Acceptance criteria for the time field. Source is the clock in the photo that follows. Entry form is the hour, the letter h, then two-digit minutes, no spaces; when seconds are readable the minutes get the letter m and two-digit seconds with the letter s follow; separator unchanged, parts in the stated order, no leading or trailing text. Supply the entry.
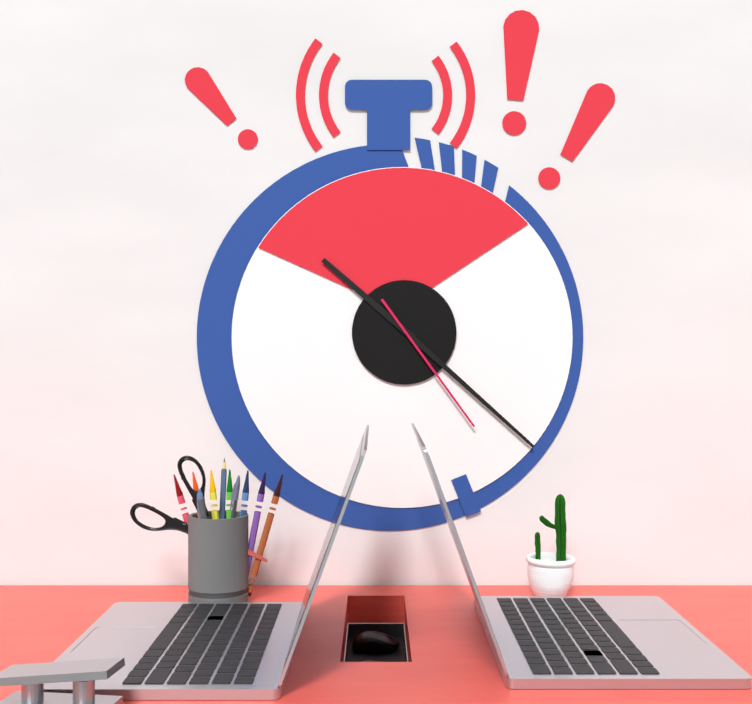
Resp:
10h22m24s
